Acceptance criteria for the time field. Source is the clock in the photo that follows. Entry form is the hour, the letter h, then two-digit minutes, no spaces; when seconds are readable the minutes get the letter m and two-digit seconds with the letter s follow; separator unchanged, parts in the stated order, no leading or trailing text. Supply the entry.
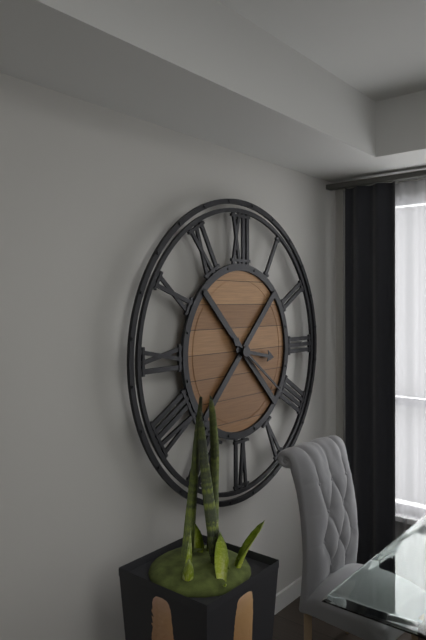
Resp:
3h21
